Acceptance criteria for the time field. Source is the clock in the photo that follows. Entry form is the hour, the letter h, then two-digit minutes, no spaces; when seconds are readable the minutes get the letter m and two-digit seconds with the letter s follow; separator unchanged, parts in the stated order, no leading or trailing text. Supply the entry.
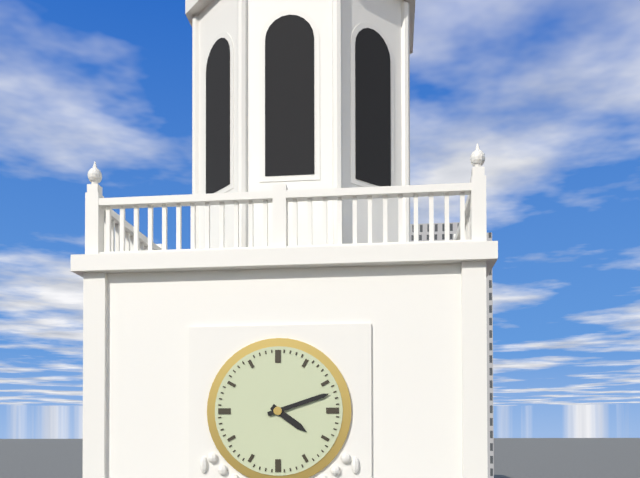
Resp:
4h12
